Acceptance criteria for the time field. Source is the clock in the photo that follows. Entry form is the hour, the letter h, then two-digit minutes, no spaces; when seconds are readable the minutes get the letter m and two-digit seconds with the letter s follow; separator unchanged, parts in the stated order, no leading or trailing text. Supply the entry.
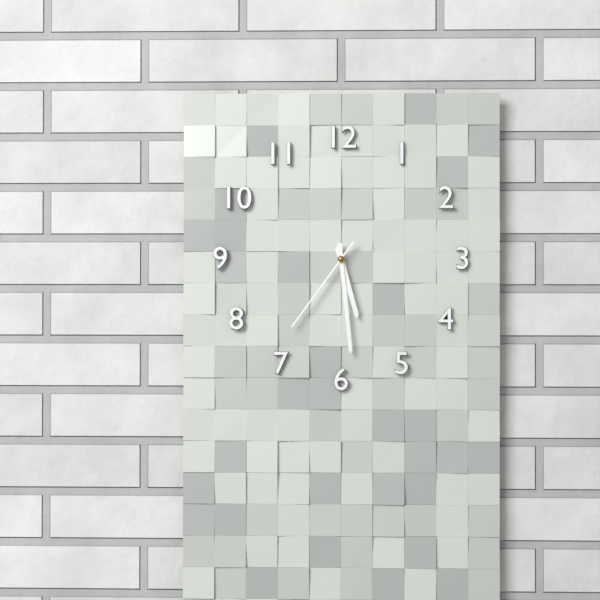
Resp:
5h29m36s
